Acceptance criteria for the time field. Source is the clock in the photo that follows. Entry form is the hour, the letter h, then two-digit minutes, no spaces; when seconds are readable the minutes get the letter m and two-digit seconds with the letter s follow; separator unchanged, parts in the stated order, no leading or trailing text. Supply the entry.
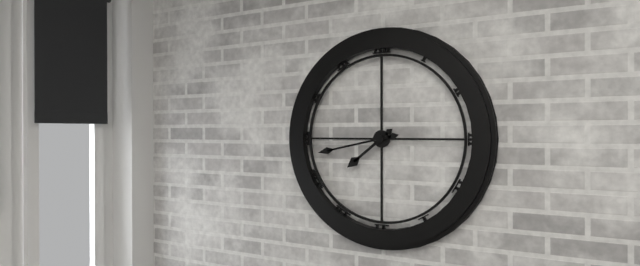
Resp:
7h43
